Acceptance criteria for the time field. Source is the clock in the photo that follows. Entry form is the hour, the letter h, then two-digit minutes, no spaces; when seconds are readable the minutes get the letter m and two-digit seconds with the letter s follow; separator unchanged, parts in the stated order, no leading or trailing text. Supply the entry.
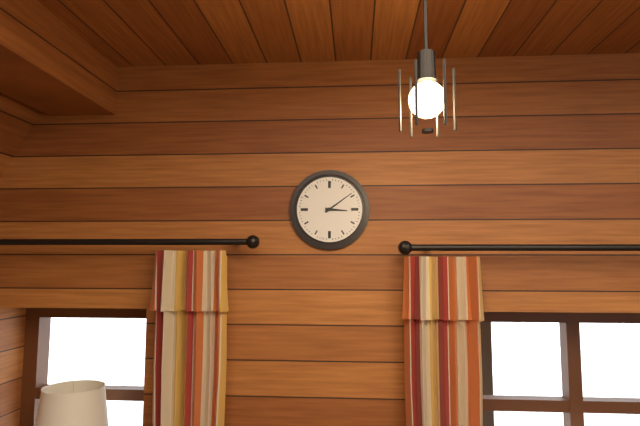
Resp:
3h09
